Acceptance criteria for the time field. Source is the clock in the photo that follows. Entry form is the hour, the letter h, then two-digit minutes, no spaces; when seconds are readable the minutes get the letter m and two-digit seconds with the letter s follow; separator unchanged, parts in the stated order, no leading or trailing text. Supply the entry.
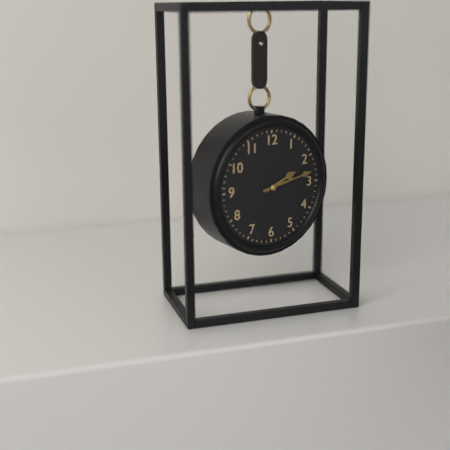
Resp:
2h13
